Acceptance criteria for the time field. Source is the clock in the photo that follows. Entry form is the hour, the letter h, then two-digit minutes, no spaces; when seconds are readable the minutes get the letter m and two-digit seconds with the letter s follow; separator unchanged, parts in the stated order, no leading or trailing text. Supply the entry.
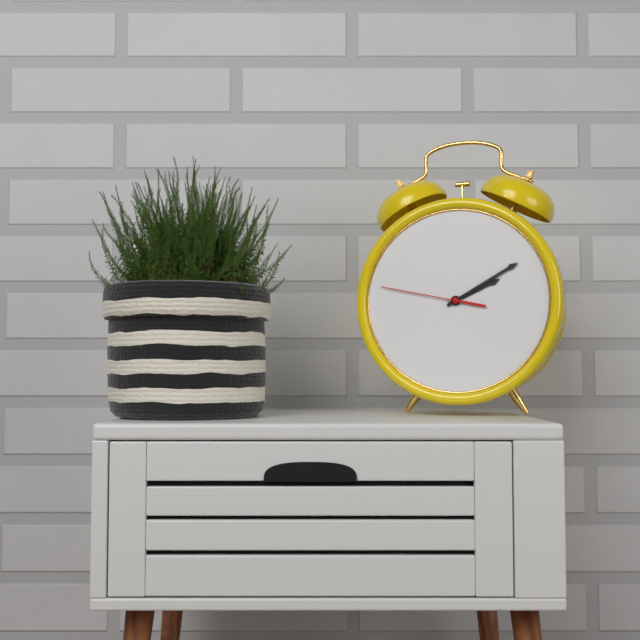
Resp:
2h10m47s
